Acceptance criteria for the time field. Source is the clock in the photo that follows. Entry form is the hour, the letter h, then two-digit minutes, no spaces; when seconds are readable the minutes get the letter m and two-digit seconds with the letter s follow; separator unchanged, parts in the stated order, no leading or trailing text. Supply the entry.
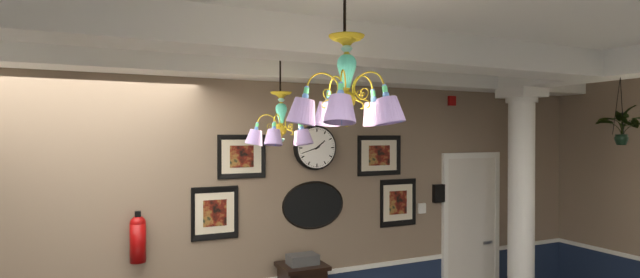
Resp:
1h42
